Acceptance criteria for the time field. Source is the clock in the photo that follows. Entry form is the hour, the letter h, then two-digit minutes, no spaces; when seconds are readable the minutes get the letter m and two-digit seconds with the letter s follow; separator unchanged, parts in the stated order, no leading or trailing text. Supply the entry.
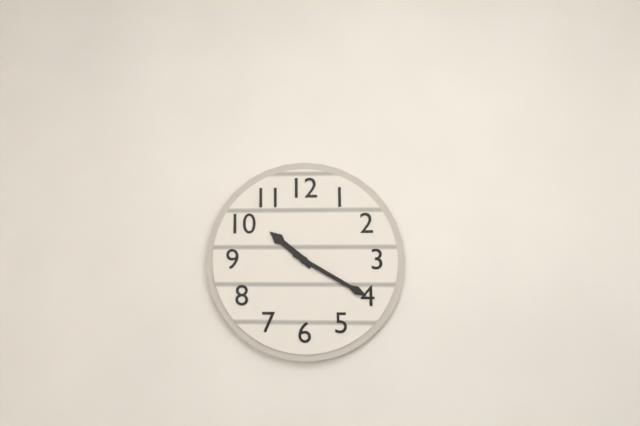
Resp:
10h20
